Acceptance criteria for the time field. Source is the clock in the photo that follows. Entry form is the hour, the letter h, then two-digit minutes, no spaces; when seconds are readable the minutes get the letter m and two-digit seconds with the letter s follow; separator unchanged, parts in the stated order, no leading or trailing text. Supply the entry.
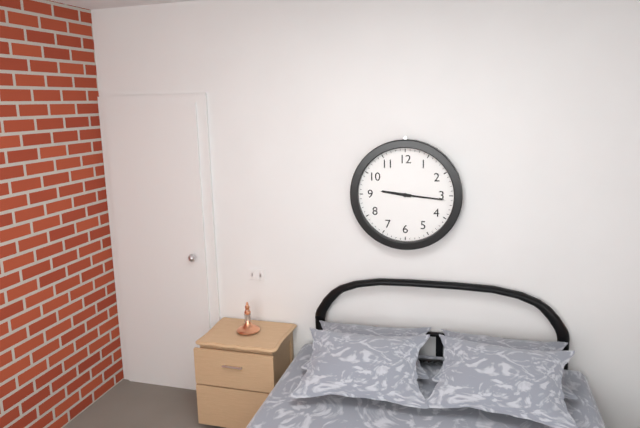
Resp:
9h16
